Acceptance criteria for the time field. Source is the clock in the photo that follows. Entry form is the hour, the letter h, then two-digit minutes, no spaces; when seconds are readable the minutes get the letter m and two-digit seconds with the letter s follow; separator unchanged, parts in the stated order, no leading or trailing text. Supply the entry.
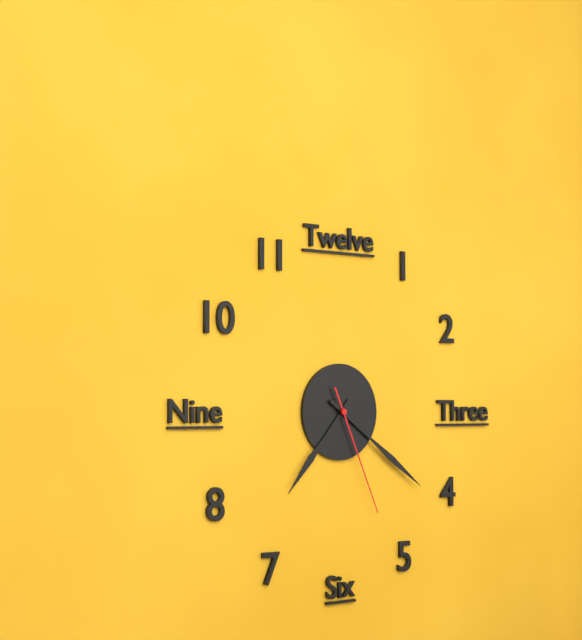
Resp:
7h21m26s
